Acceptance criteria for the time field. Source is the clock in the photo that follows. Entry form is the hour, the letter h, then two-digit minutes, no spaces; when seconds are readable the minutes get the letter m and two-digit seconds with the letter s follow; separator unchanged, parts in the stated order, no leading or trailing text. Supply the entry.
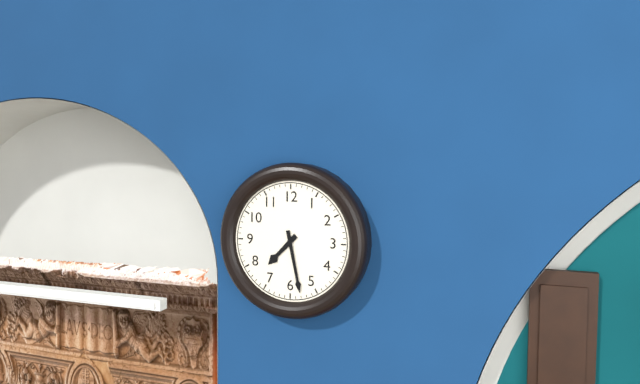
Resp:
7h28
